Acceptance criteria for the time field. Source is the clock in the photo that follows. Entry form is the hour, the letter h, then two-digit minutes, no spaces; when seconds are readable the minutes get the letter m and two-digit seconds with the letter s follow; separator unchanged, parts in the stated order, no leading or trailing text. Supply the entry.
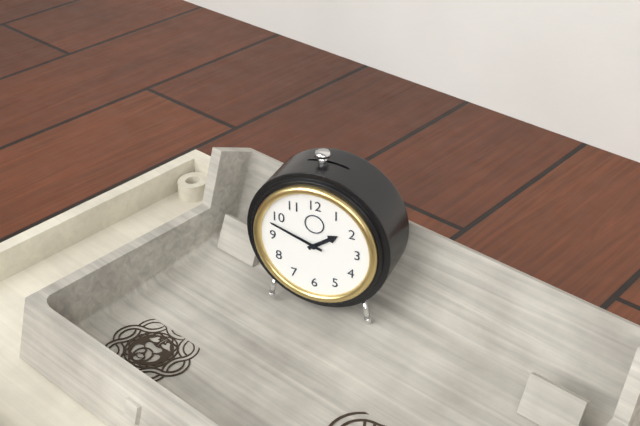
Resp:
1h48
